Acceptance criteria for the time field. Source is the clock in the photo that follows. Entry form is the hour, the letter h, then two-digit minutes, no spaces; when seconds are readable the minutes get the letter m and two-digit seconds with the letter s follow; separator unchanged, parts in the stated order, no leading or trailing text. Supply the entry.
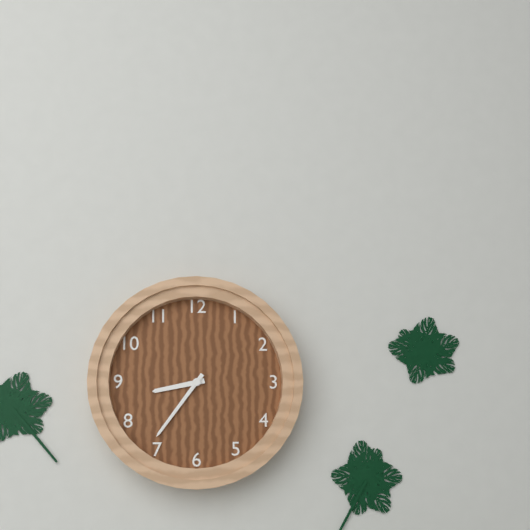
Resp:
8h36
